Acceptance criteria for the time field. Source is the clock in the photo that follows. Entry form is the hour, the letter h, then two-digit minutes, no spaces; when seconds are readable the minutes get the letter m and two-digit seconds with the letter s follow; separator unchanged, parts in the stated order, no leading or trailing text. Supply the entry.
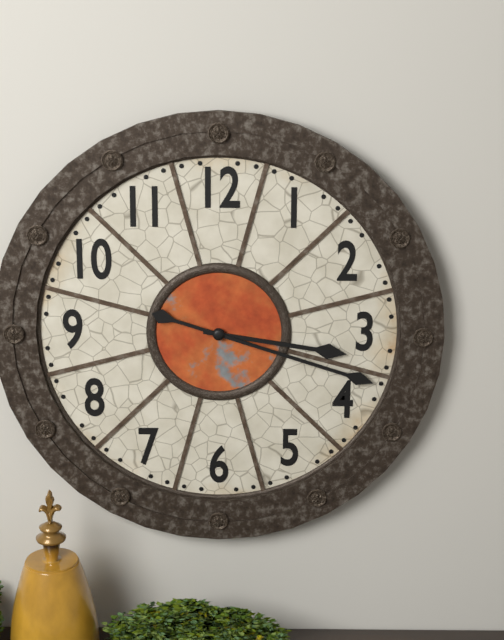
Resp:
3h18
